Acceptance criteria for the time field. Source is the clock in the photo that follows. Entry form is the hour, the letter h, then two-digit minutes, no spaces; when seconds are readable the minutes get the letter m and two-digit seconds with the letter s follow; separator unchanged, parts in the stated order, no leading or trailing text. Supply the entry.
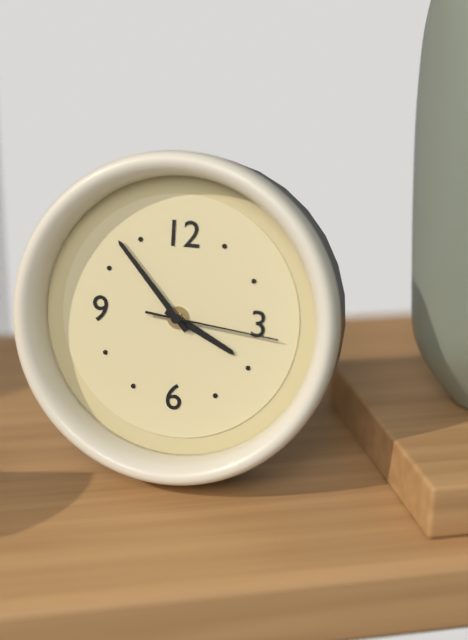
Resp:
3h53m16s
